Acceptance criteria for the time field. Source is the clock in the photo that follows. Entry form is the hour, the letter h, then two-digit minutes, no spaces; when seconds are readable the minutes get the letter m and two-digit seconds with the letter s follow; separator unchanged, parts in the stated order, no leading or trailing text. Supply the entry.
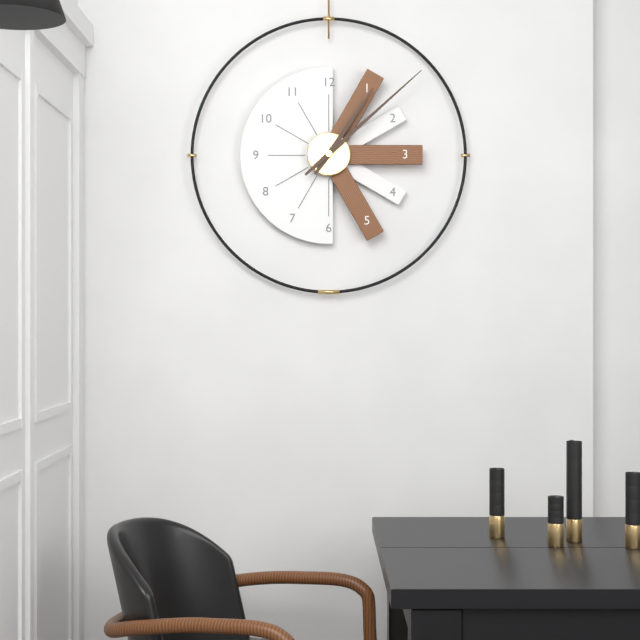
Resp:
1h08
